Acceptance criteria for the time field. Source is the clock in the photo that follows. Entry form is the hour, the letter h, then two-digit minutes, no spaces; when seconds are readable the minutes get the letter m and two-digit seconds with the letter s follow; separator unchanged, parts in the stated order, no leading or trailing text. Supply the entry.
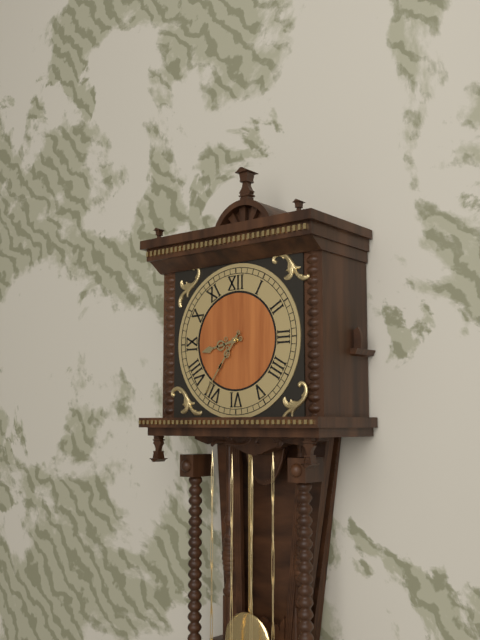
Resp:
8h36
